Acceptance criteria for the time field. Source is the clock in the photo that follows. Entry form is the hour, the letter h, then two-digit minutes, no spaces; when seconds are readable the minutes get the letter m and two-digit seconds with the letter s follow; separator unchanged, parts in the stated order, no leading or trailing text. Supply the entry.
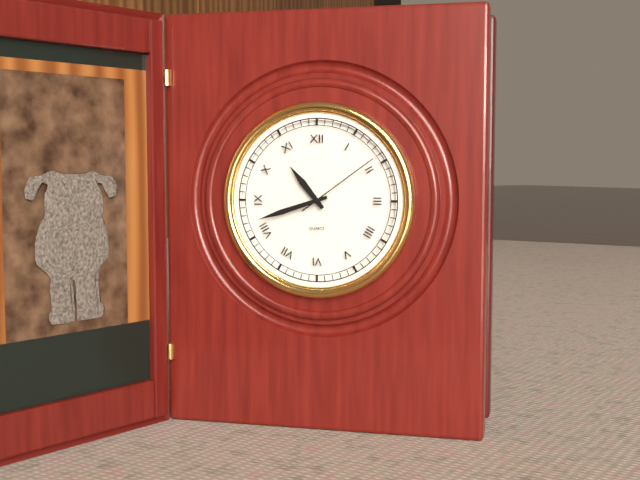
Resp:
10h42m09s
